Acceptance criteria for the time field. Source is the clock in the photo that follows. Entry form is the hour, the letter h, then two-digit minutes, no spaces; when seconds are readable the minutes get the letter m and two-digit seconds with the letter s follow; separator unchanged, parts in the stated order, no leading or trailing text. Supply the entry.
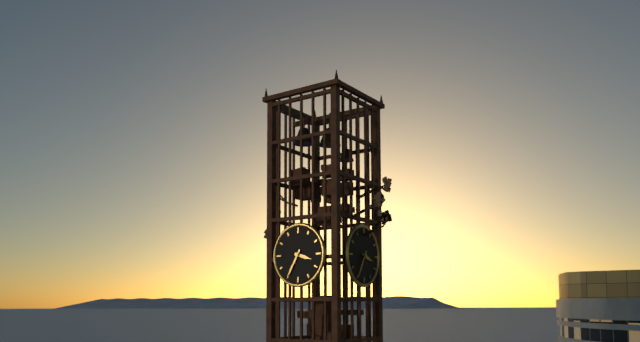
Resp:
3h35
